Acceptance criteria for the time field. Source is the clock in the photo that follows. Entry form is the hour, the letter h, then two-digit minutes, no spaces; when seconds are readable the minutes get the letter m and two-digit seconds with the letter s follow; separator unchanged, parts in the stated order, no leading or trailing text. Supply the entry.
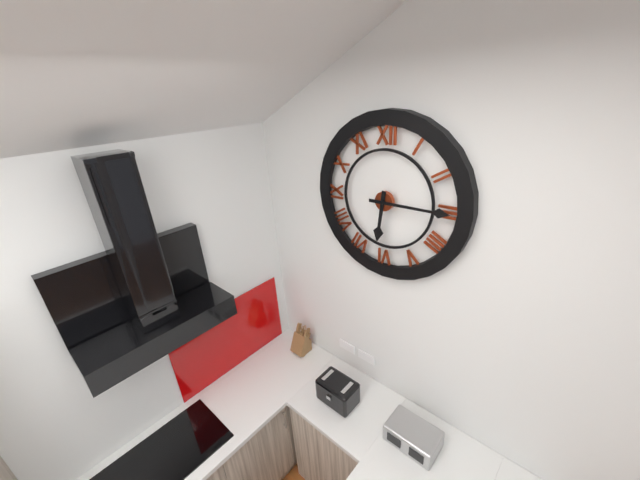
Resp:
6h15
